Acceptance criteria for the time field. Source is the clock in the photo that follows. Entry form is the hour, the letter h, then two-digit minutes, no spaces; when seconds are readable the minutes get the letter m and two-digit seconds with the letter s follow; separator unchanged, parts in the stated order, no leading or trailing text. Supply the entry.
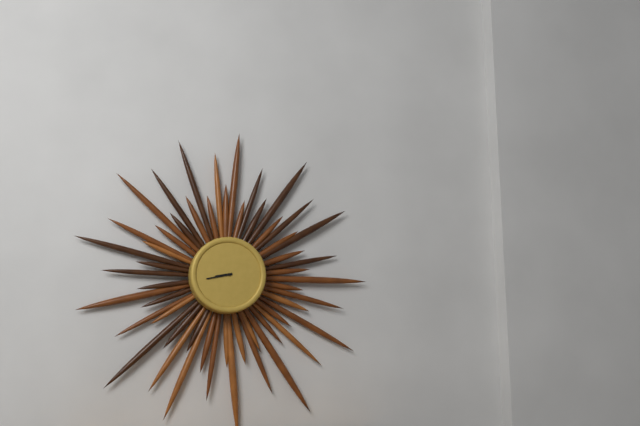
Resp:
8h43
